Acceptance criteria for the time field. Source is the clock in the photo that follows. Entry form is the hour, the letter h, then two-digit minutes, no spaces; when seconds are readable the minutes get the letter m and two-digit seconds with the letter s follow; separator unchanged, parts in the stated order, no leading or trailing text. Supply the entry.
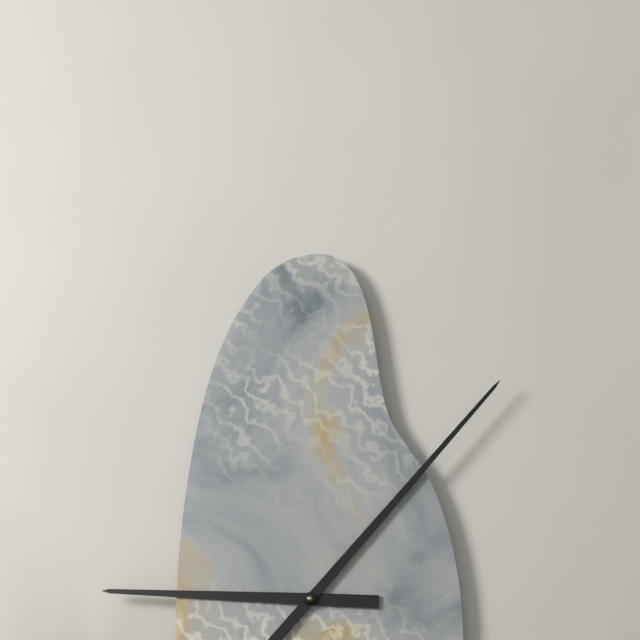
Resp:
9h07
